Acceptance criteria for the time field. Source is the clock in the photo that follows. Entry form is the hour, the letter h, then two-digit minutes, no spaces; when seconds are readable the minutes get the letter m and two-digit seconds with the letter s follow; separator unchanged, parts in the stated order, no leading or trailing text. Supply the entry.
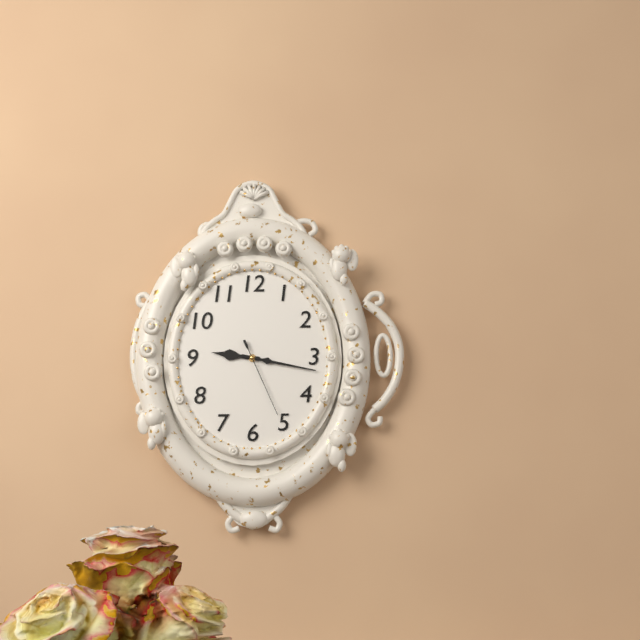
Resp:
9h17m26s
